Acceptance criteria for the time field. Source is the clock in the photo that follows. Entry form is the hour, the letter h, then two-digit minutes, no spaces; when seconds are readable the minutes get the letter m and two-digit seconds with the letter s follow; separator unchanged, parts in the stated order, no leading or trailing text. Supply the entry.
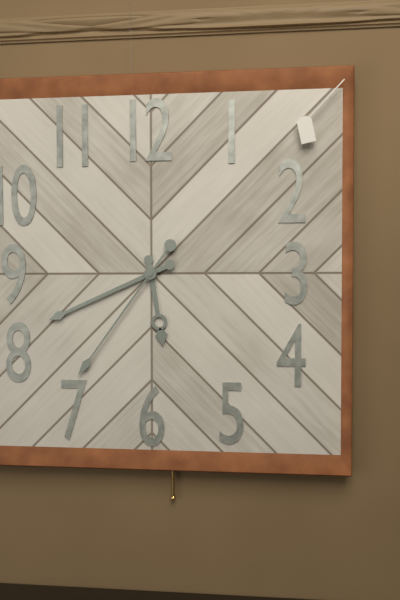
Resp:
5h41m36s
